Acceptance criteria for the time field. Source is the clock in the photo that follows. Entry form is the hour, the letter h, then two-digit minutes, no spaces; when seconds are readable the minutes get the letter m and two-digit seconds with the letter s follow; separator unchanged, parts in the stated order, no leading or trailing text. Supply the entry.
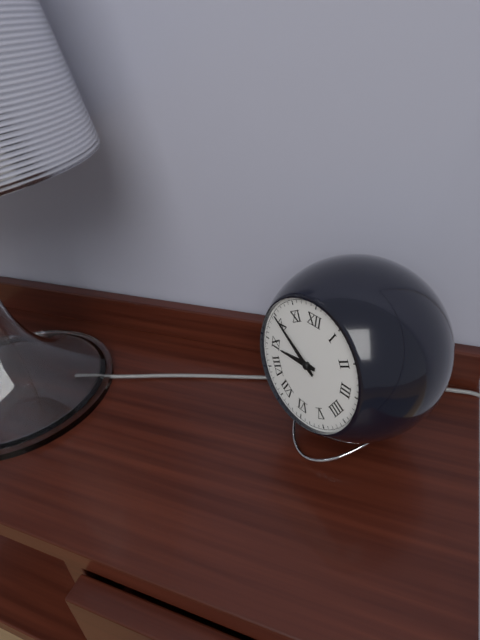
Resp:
8h50
